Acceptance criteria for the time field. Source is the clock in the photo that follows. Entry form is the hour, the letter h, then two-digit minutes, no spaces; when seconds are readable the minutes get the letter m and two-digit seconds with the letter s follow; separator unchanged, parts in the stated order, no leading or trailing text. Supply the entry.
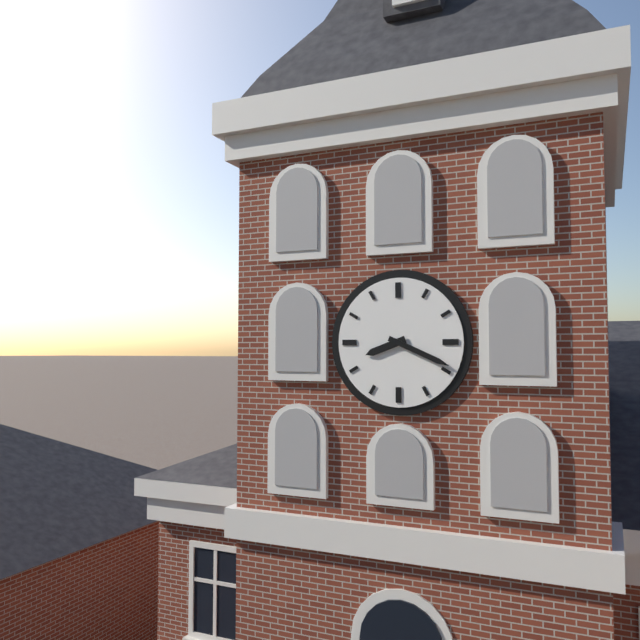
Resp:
8h19
